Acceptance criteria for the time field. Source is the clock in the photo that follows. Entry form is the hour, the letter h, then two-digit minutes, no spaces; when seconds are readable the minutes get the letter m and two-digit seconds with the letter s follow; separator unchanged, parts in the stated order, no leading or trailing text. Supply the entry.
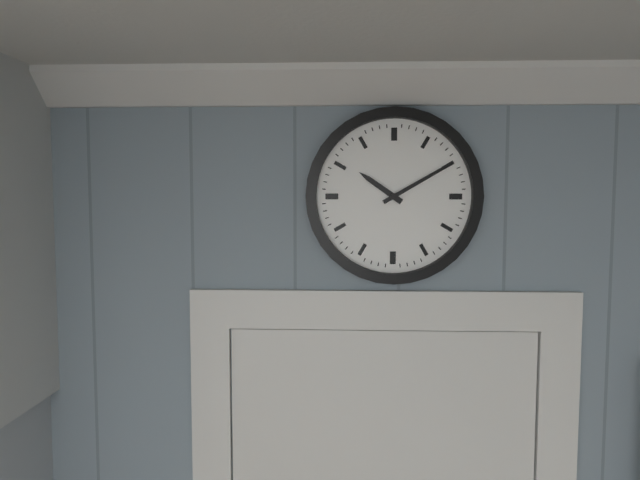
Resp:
10h10
